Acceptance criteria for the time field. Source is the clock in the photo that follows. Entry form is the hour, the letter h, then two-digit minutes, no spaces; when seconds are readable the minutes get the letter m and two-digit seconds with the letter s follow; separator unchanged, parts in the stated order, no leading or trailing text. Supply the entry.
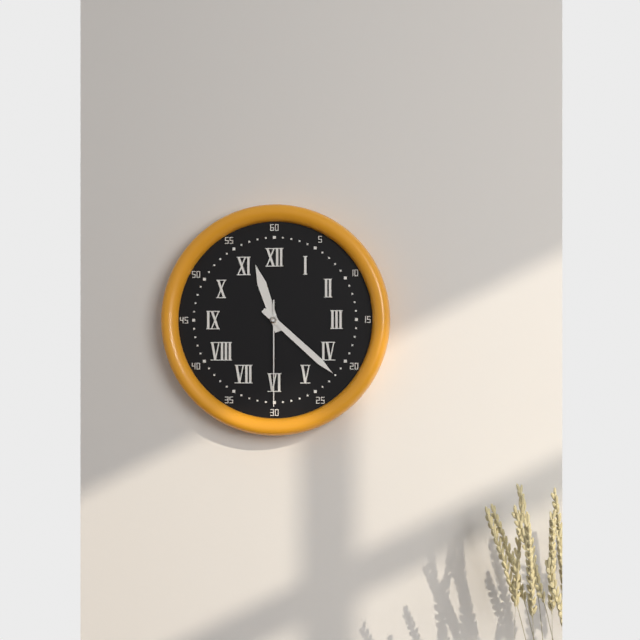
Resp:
11h22m30s
